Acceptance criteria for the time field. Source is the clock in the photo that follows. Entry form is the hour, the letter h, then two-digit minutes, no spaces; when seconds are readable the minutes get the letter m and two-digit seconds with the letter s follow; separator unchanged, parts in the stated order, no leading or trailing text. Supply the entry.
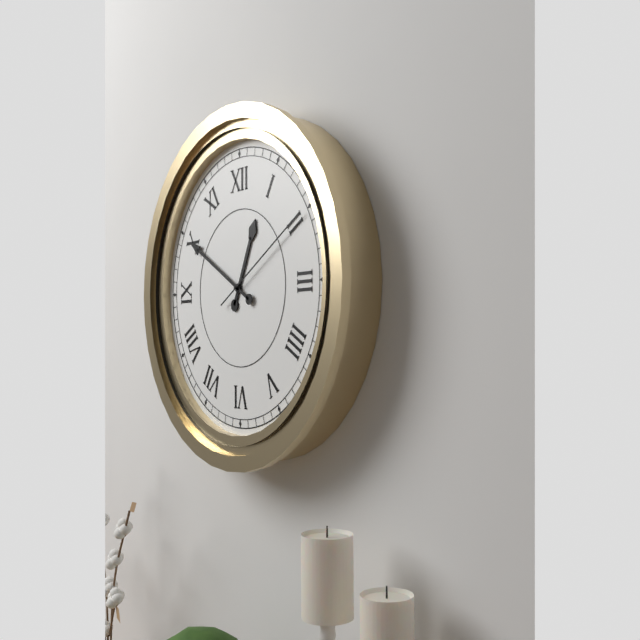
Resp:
12h50m10s
